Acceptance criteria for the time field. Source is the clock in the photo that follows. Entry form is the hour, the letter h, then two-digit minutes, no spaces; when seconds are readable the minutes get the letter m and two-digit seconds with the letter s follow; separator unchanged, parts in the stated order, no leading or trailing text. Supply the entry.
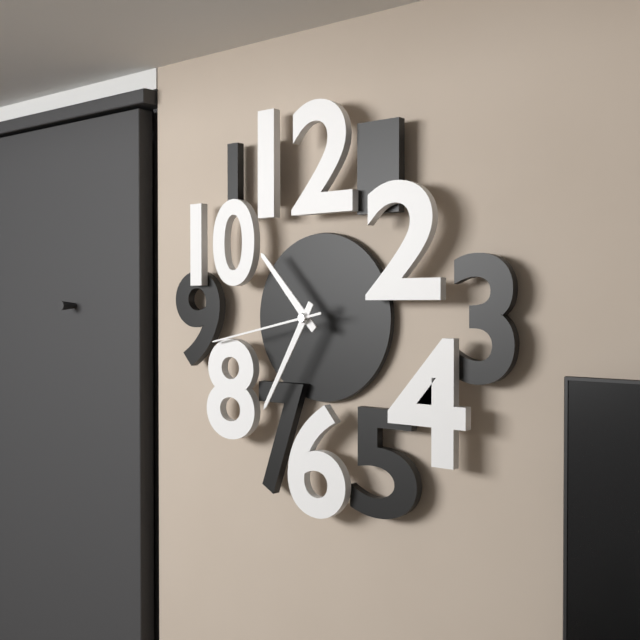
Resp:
10h35m43s
